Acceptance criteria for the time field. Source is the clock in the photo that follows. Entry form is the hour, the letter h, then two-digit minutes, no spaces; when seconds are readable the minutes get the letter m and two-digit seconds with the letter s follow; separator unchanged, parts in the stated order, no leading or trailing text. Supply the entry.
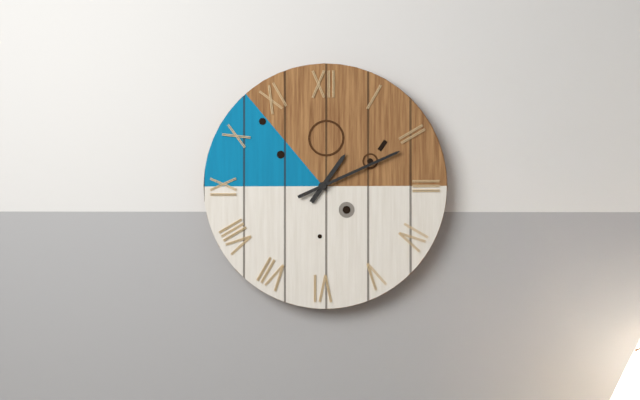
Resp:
1h11
